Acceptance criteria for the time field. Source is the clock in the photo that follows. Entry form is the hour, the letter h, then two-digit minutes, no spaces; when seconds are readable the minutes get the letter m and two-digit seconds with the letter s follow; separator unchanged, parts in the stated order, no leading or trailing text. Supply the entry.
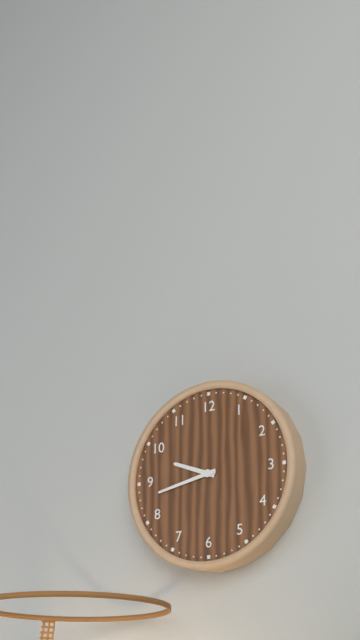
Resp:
9h43
